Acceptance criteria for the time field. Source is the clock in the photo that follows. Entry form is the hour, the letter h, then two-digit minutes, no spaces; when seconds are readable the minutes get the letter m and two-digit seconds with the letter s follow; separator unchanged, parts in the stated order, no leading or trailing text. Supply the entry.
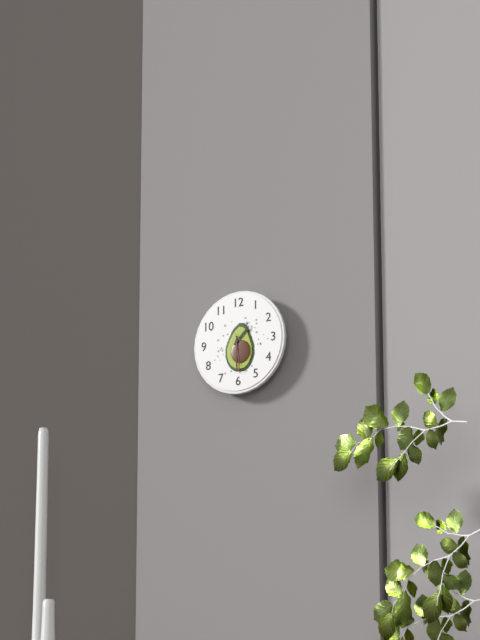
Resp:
1h30
